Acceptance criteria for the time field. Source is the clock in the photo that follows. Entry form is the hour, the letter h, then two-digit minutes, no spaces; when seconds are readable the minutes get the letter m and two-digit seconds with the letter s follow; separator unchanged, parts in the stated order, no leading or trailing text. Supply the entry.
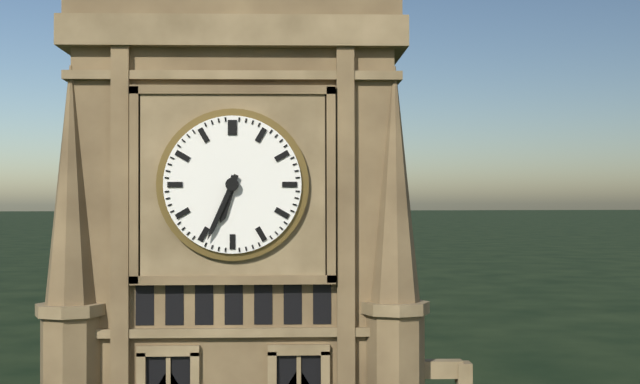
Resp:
6h34
